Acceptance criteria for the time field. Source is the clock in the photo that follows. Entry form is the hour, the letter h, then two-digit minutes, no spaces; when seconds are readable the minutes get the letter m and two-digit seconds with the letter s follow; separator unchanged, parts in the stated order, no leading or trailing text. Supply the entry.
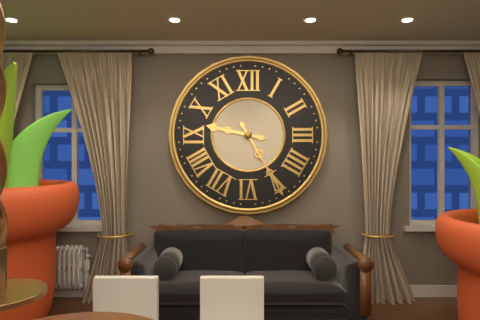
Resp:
9h25
